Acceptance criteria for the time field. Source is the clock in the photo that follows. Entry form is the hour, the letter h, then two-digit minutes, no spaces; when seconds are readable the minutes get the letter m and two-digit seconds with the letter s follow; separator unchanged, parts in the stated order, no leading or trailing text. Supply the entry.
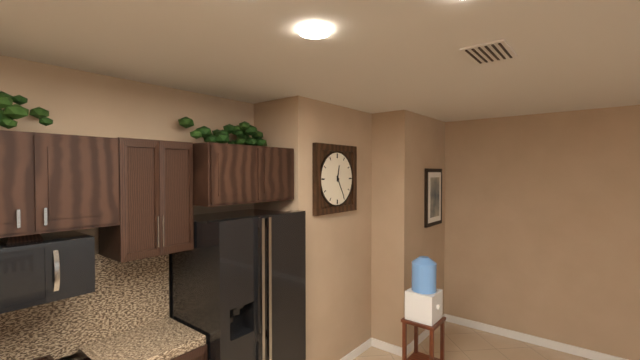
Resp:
12h25
